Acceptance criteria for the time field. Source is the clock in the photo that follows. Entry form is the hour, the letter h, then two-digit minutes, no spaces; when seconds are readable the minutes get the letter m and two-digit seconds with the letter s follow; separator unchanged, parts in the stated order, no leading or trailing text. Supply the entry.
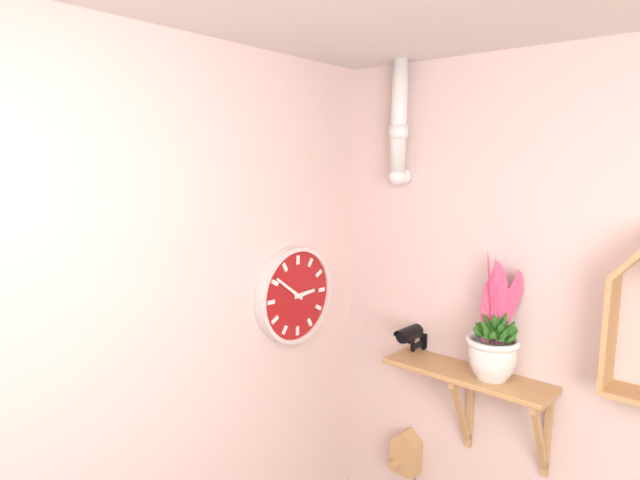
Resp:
2h51
